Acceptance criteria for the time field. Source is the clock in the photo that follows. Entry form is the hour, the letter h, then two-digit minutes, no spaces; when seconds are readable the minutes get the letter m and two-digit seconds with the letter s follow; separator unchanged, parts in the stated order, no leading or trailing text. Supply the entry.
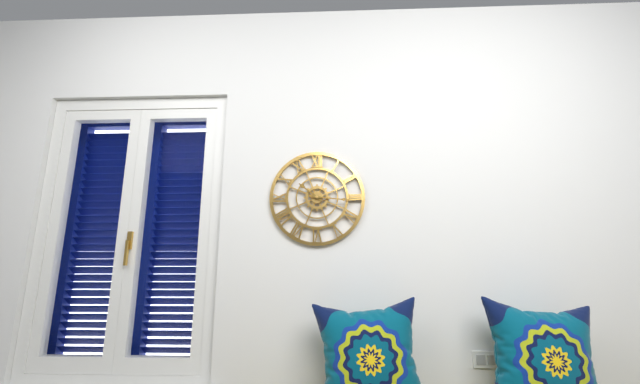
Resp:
10h16
